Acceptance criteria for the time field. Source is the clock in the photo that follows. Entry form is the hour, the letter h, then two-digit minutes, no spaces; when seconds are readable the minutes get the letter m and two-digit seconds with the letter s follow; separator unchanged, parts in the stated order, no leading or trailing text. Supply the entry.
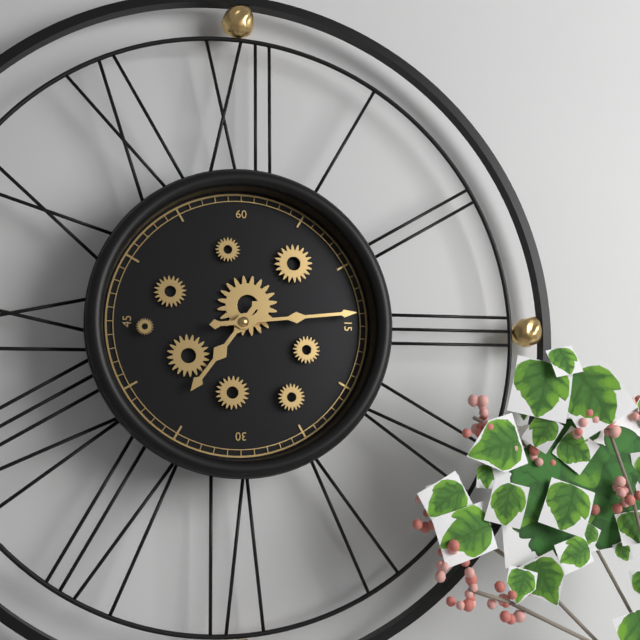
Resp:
7h14
